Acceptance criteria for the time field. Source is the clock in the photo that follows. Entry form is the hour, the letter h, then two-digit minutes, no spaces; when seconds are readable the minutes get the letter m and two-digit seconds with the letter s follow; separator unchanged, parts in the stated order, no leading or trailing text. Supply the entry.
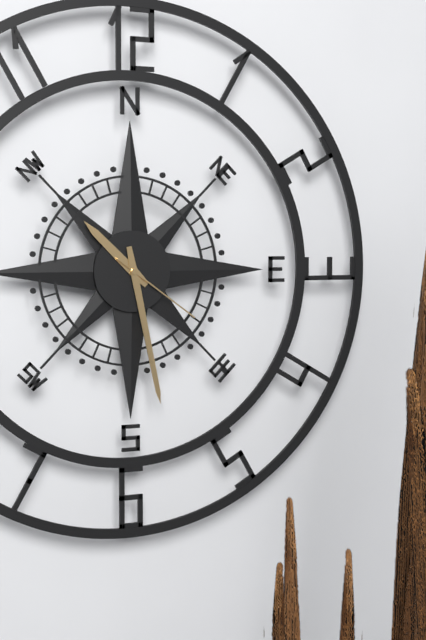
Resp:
10h28m21s
